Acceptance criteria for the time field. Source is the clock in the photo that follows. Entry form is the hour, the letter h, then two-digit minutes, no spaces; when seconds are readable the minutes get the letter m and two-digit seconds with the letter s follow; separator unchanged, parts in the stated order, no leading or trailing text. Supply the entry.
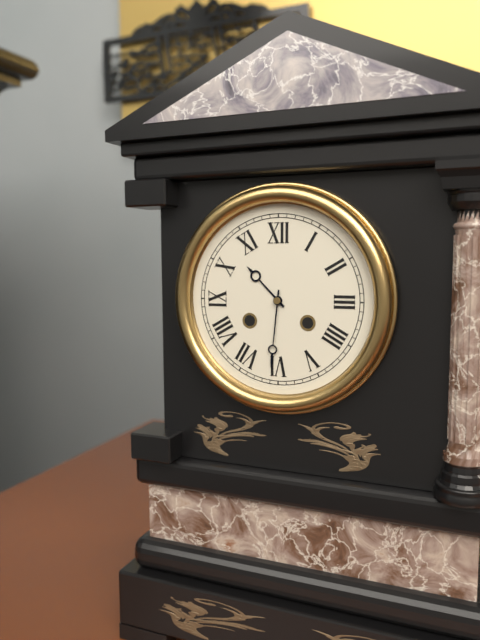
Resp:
10h31
